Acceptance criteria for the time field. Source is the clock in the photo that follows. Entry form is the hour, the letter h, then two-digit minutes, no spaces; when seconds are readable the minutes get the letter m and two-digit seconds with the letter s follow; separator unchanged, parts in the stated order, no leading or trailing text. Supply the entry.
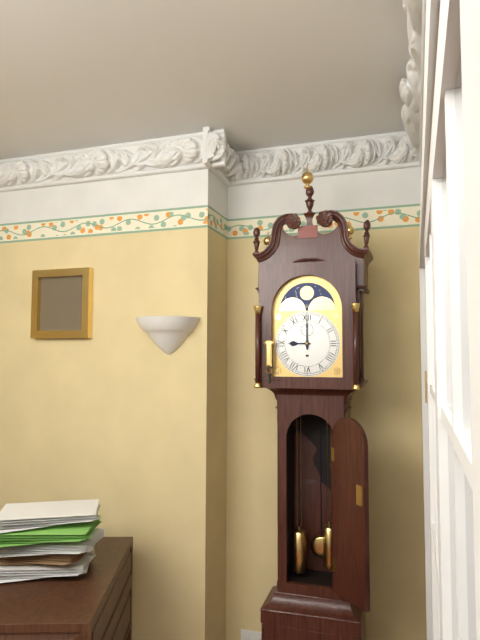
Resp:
9h00
